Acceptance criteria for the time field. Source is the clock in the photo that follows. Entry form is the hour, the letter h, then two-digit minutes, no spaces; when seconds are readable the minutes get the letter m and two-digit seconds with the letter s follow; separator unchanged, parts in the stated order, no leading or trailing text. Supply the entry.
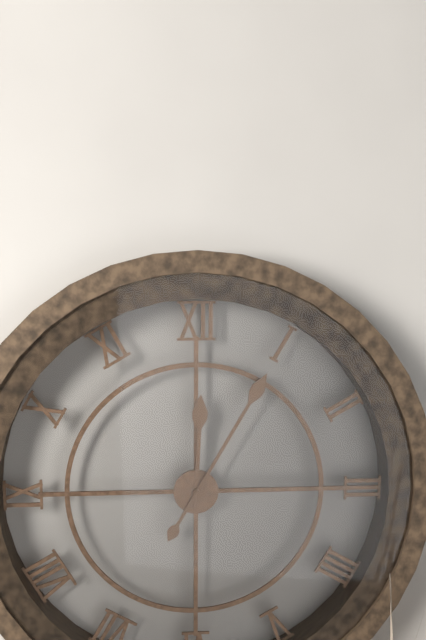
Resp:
12h05
